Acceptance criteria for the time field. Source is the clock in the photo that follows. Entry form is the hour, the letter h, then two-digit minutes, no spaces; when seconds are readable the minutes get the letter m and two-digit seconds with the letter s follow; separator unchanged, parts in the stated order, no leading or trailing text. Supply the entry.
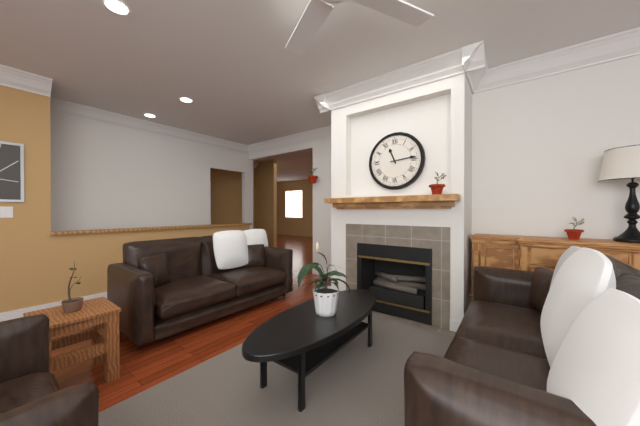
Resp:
11h14
